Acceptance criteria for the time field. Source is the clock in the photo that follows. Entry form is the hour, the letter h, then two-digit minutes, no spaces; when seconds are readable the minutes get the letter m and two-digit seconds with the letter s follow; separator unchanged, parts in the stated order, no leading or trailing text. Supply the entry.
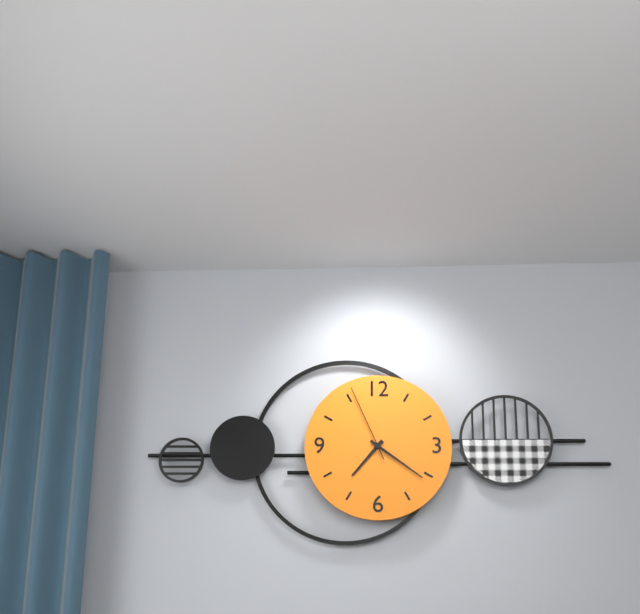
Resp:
7h21m56s
